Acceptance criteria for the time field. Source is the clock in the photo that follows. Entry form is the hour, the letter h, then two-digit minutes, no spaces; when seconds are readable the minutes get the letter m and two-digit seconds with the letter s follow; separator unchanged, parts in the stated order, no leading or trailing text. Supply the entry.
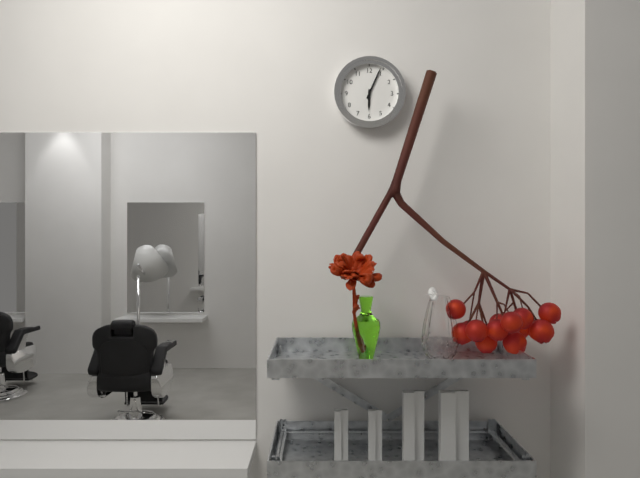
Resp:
6h04
